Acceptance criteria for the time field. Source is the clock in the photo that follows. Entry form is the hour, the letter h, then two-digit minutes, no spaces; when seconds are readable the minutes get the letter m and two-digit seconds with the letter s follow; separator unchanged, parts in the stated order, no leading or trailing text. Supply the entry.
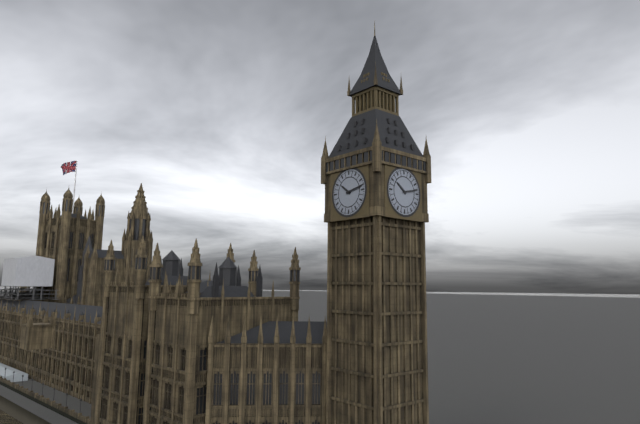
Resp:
10h13
